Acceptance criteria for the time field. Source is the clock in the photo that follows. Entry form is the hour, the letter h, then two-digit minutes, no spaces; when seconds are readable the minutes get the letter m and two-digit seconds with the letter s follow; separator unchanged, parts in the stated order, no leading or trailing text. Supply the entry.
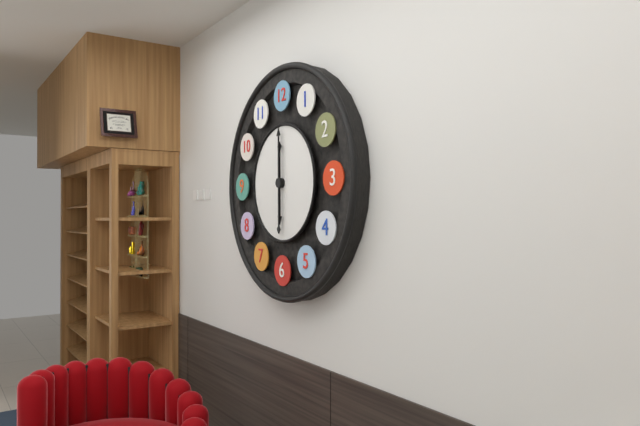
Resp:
6h00
